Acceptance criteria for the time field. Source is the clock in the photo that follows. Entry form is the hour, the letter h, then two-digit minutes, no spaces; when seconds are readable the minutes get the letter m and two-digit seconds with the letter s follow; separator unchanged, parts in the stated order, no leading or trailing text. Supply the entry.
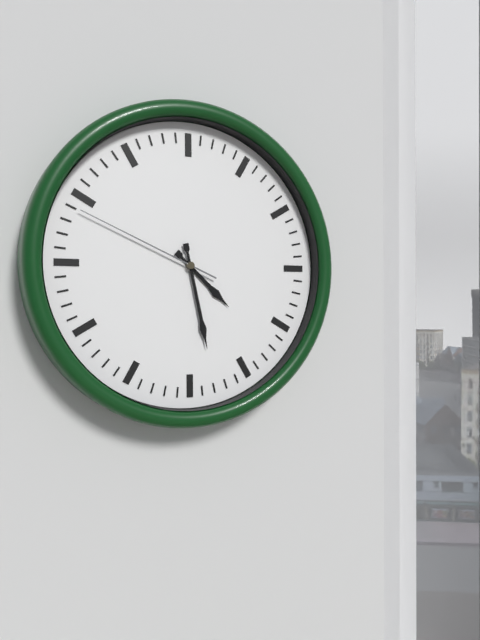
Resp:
4h28m49s
